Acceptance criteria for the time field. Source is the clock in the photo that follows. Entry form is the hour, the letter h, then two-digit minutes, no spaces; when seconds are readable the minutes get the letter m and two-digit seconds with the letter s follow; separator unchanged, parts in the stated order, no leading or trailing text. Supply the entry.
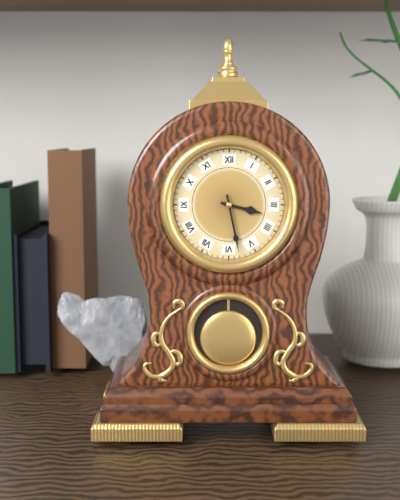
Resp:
3h28
